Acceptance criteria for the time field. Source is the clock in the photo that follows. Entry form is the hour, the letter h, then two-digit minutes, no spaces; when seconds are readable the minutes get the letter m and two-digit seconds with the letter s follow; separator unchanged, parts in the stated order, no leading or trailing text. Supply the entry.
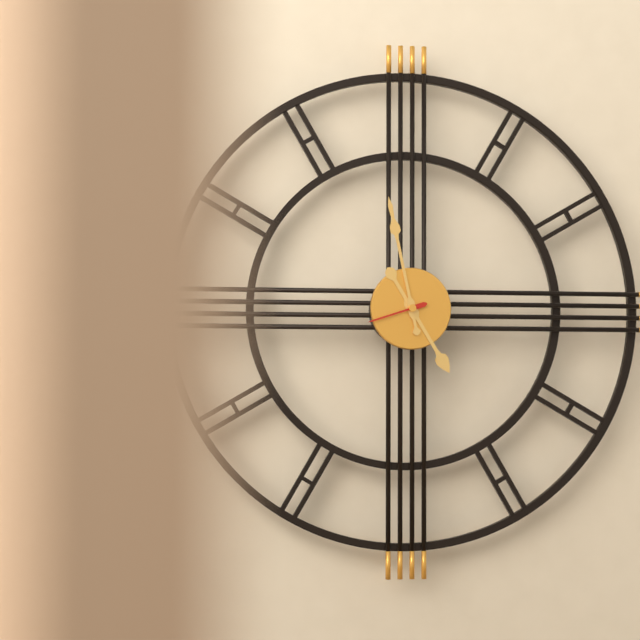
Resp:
4h58m42s
